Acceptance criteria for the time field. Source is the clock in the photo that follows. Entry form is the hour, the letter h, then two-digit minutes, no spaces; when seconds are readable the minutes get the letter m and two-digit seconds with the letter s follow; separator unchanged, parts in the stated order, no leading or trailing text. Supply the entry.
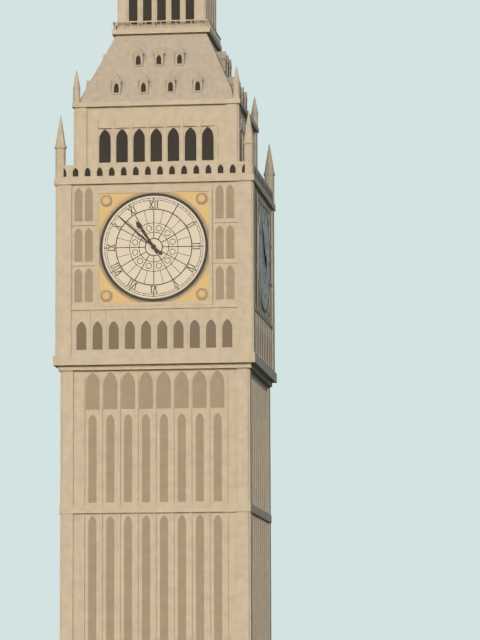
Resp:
10h52
